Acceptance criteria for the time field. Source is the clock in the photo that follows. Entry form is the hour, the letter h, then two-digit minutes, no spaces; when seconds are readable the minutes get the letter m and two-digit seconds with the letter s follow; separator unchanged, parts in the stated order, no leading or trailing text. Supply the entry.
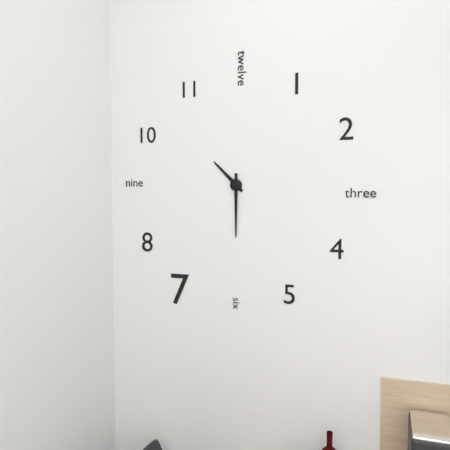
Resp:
10h30
